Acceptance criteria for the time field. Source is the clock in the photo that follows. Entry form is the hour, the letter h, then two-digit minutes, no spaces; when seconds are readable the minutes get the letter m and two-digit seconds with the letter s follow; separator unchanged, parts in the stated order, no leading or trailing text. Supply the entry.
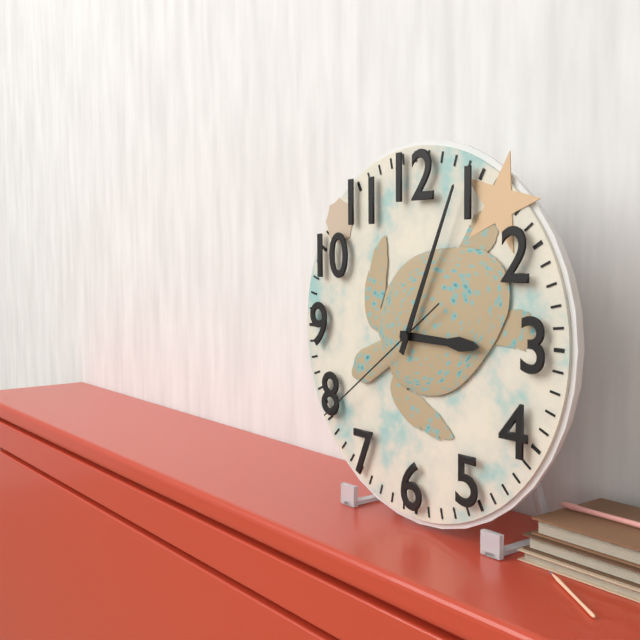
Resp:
3h04m39s
